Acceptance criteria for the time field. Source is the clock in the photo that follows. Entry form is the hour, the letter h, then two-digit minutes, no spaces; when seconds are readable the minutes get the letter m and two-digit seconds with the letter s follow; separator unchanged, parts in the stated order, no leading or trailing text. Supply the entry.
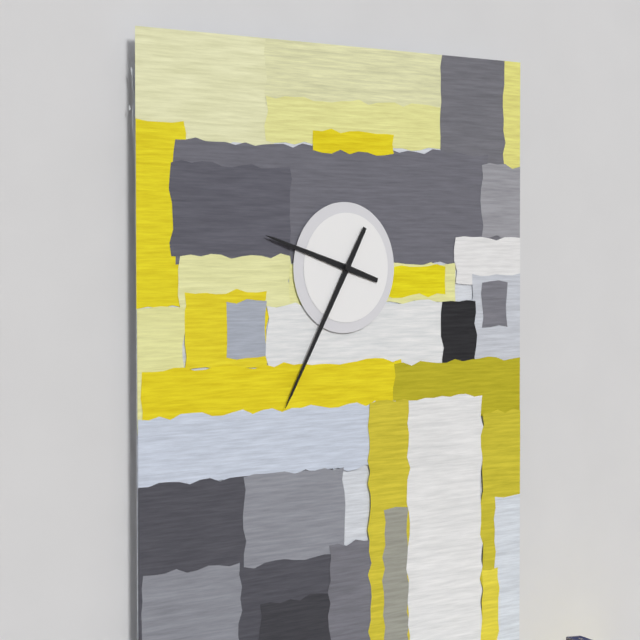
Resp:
9h35
